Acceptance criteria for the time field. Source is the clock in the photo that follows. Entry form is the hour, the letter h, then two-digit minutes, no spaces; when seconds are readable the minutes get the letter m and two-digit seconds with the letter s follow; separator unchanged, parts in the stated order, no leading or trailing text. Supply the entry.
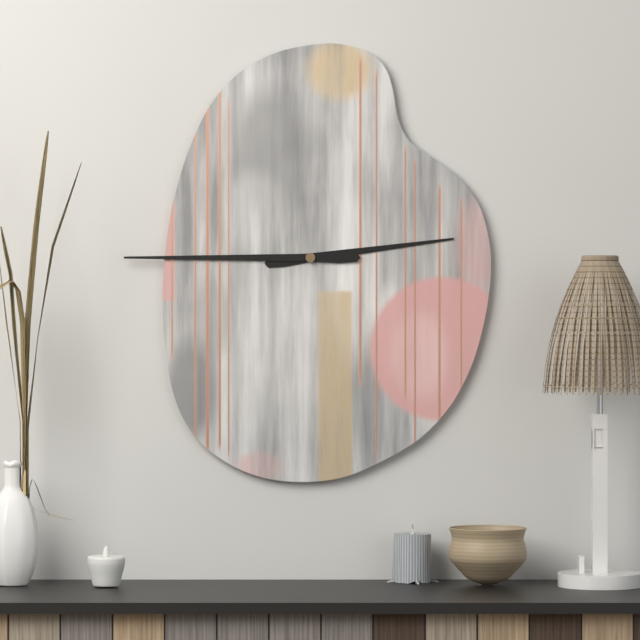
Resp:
2h45
